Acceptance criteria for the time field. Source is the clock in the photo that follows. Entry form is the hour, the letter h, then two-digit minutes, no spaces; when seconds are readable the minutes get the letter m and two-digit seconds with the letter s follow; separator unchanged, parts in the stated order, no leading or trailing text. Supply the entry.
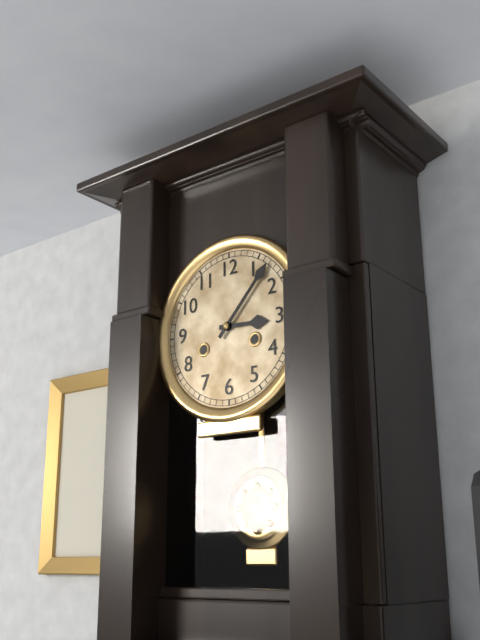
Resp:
3h07
